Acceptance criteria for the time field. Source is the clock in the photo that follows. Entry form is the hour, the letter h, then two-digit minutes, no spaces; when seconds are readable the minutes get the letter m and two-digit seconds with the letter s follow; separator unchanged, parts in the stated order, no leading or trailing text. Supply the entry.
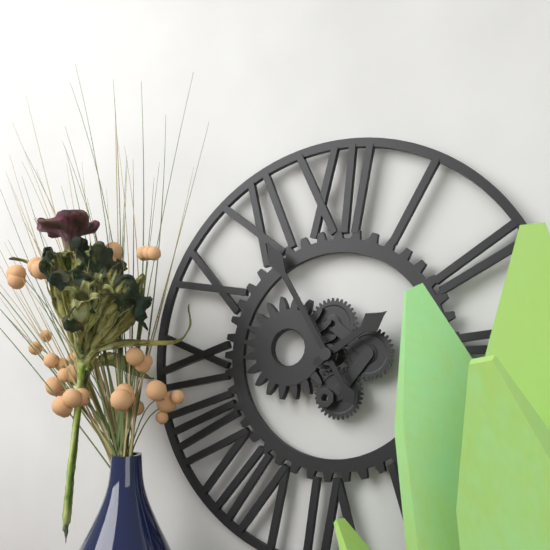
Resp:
1h55
